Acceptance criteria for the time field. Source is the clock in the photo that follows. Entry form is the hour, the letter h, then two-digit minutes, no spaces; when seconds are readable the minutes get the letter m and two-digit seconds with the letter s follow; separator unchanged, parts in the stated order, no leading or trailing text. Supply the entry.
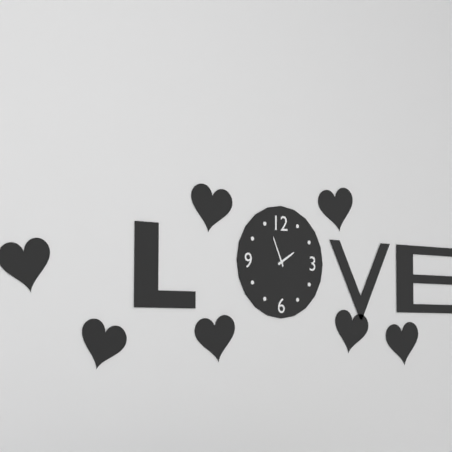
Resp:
1h56
